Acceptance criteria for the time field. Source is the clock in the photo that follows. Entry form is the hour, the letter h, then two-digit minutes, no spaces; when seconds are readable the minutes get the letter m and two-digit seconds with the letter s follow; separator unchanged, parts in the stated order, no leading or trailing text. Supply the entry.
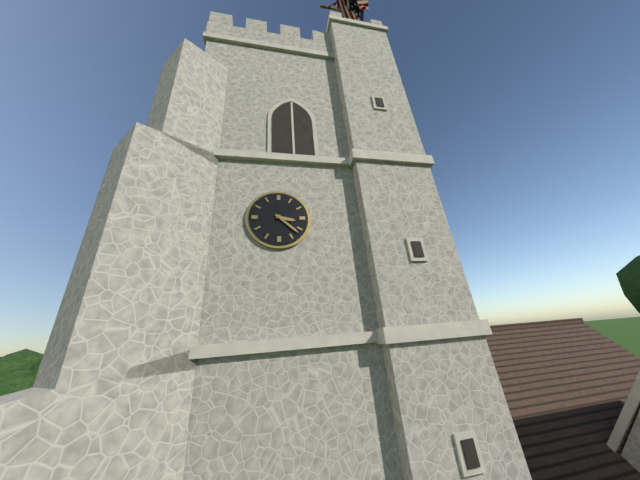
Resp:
3h22
